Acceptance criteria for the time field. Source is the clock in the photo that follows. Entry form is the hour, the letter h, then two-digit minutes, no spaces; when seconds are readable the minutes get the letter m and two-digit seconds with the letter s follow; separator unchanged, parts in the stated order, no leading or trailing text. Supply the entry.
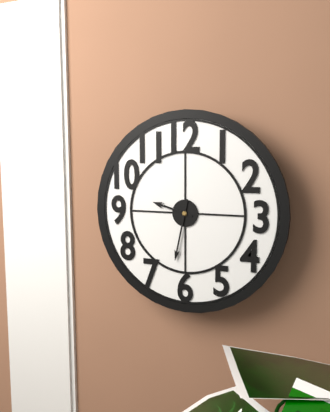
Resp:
9h32
